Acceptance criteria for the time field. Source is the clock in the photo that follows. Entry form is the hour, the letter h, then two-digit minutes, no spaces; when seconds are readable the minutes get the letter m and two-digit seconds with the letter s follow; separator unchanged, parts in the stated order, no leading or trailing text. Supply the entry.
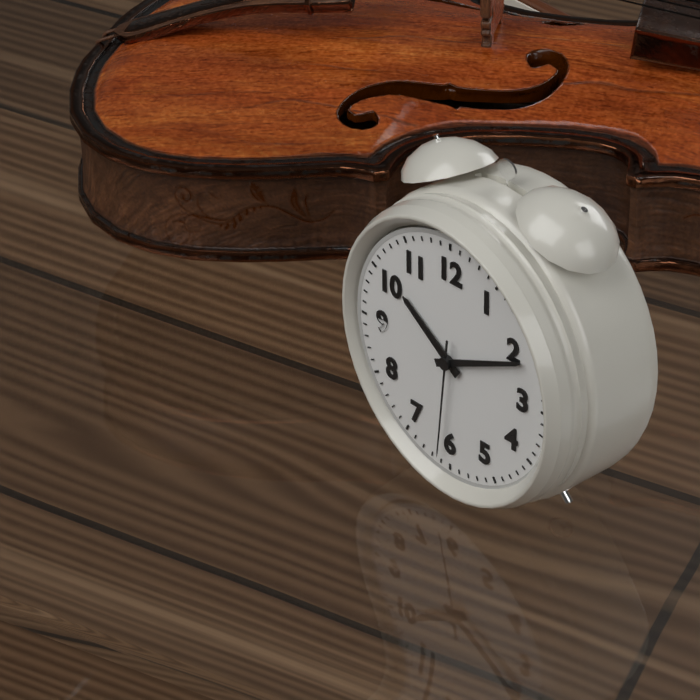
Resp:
10h11m31s
